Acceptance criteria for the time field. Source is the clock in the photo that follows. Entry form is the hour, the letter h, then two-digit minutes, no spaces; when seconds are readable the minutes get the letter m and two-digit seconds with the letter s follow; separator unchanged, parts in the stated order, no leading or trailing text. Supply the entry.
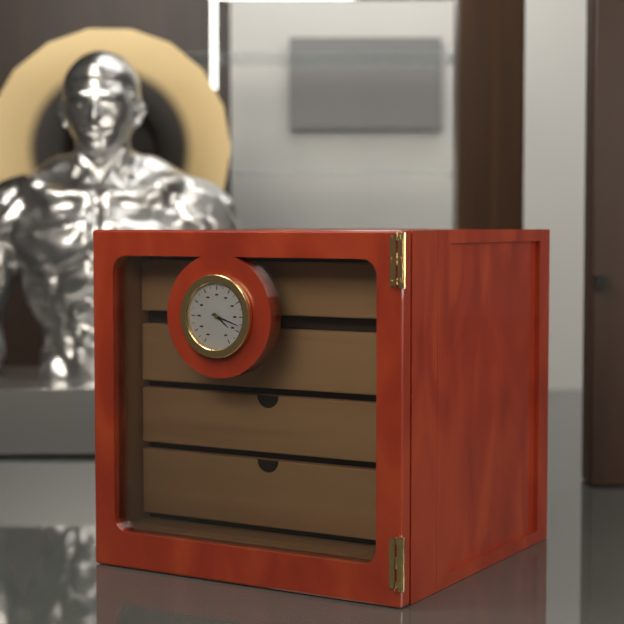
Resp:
4h18
